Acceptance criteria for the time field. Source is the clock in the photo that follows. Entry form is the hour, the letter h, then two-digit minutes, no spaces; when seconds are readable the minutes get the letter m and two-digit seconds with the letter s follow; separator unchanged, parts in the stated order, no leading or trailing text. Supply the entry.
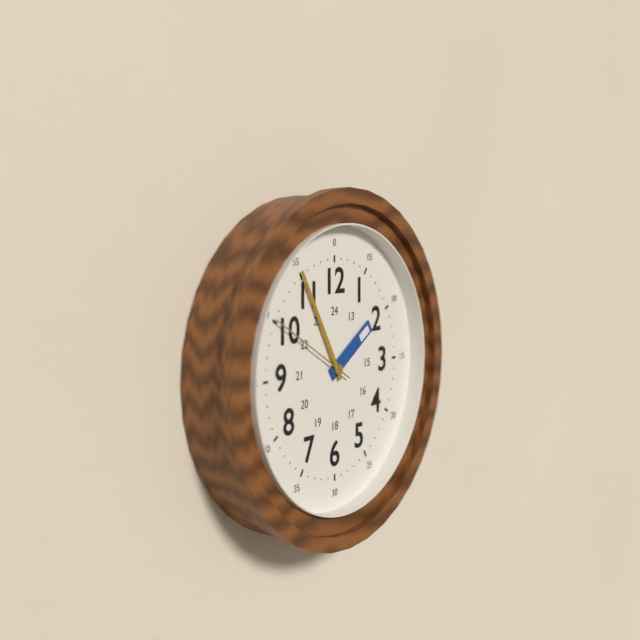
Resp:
1h55m50s
